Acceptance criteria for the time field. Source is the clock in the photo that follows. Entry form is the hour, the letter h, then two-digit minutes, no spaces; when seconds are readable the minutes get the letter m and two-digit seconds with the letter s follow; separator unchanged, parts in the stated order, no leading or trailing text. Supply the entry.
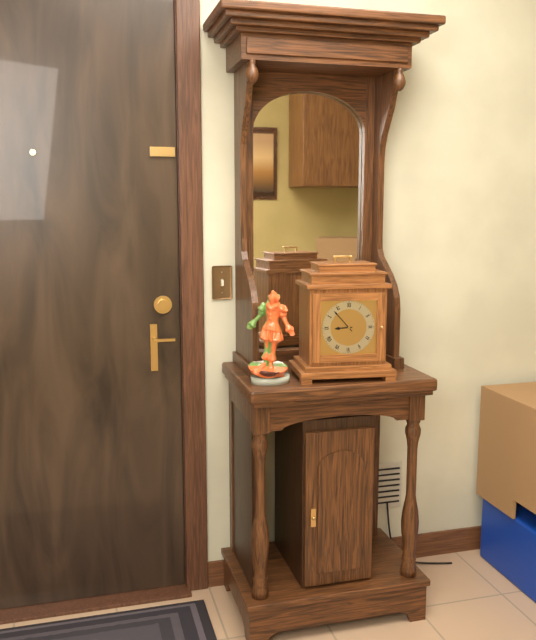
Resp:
8h53
